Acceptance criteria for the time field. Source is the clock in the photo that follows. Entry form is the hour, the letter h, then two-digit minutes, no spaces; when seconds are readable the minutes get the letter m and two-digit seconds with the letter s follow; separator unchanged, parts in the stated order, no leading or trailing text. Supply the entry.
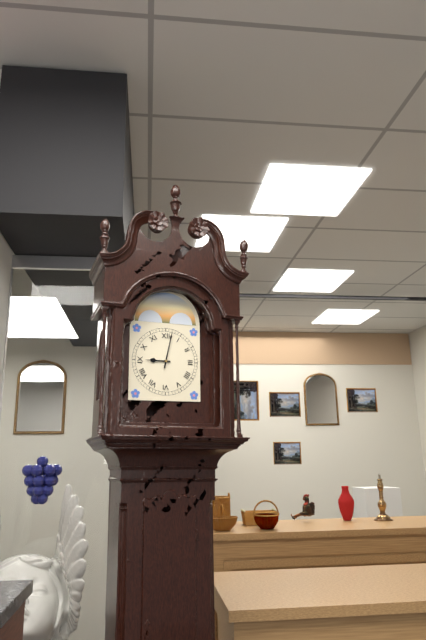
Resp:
9h02
